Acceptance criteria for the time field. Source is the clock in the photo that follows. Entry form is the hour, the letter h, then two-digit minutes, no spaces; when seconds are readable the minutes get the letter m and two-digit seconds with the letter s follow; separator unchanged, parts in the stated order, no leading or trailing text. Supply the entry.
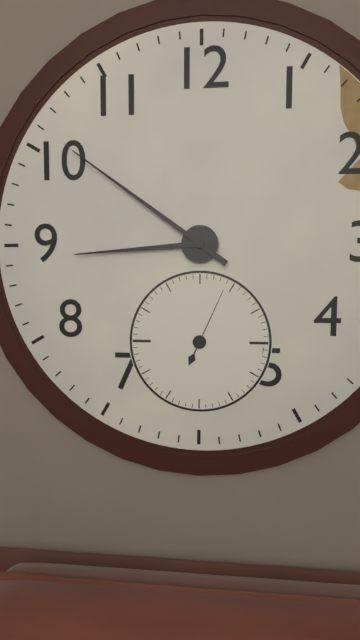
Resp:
8h51m04s
